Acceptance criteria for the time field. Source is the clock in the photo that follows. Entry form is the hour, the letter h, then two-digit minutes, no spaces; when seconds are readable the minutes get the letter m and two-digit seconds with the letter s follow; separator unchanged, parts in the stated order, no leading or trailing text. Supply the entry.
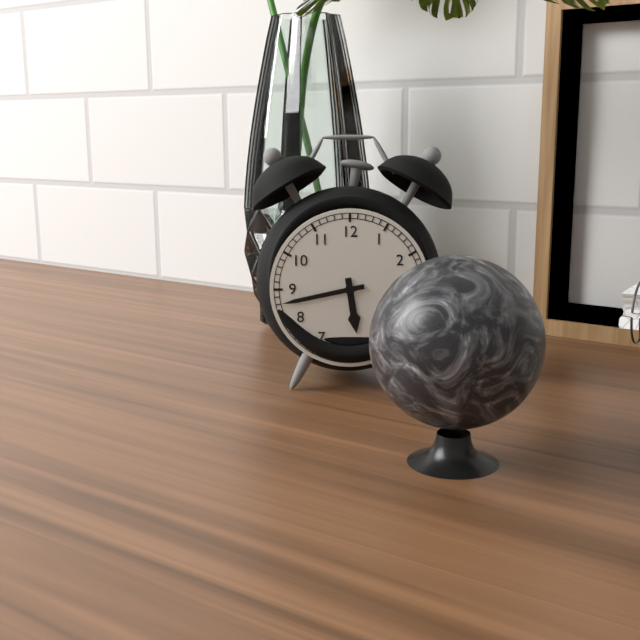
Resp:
5h43
